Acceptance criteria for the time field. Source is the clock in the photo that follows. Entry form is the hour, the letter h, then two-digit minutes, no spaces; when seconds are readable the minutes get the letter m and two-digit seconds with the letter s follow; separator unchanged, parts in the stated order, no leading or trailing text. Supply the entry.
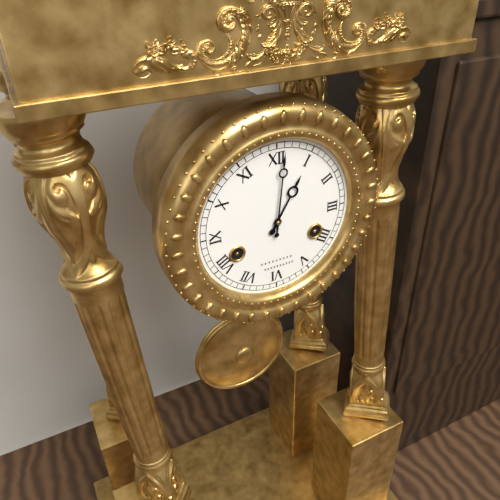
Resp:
1h01
